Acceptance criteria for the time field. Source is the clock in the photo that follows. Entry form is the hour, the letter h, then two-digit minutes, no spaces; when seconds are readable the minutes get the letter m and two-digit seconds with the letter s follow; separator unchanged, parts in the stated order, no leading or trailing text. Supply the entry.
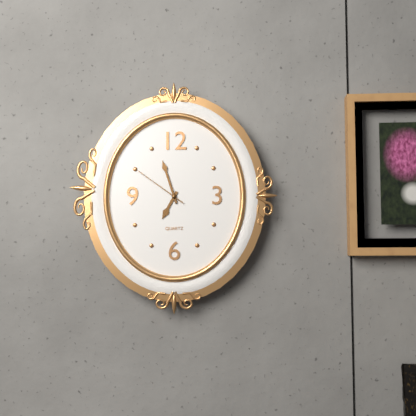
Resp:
6h57m51s
